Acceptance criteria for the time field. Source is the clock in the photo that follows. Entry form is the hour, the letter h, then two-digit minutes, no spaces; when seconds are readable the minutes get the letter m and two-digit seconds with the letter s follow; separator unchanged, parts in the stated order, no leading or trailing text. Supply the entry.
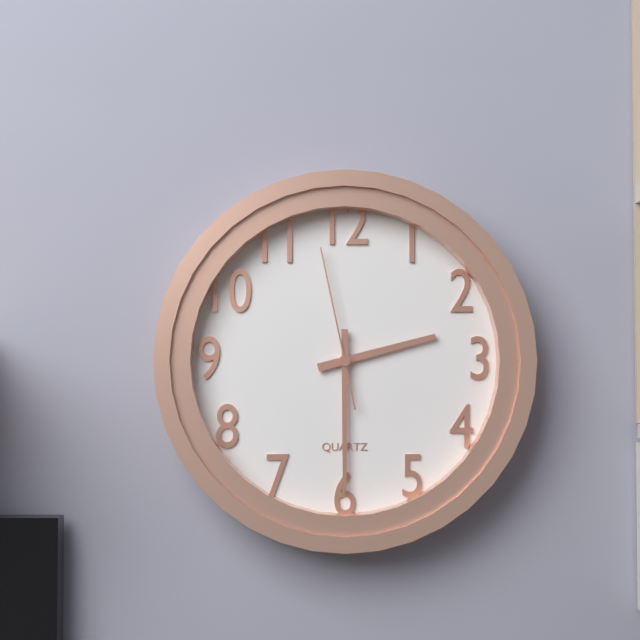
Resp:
2h30m58s
